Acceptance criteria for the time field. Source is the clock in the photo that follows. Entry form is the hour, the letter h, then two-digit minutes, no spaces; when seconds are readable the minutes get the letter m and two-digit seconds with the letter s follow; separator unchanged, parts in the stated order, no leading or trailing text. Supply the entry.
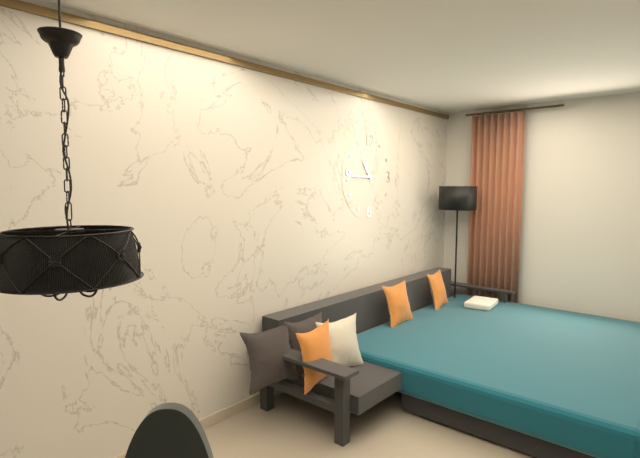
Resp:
10h45
